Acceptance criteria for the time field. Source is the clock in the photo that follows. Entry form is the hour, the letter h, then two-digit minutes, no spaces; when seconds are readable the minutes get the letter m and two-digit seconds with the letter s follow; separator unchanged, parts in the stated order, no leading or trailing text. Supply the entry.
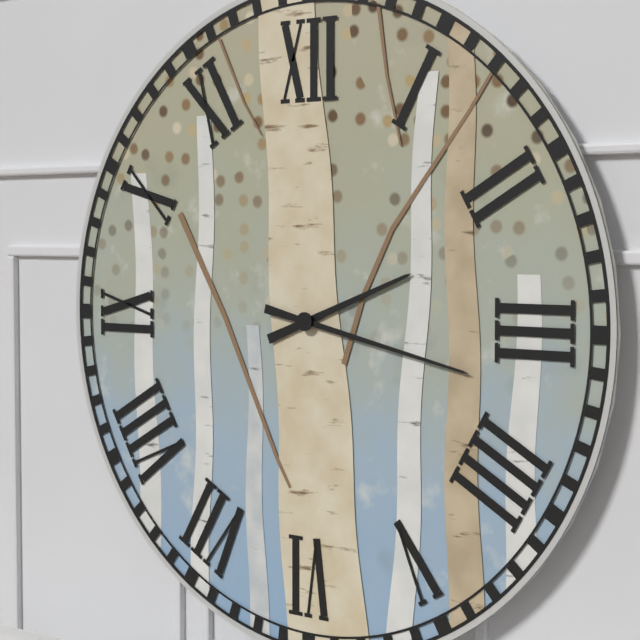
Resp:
2h17
